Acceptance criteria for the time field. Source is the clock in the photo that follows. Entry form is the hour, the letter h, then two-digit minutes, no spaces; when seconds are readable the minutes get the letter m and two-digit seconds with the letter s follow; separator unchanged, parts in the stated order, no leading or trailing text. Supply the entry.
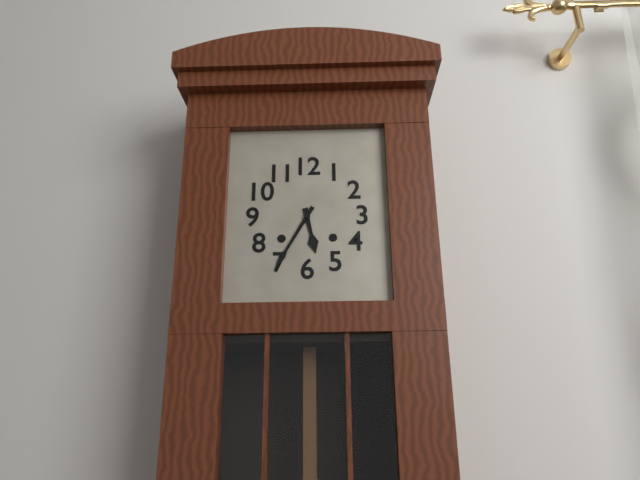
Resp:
5h35
